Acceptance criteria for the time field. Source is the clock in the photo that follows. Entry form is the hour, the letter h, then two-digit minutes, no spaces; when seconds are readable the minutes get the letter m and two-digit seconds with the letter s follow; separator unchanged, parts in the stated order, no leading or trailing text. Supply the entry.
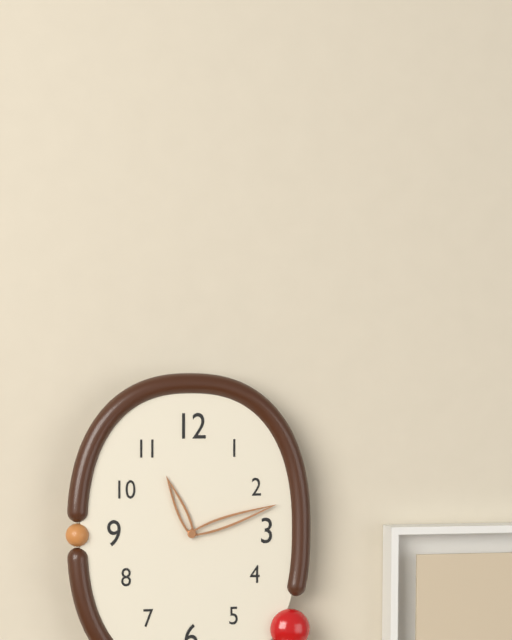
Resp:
11h12
